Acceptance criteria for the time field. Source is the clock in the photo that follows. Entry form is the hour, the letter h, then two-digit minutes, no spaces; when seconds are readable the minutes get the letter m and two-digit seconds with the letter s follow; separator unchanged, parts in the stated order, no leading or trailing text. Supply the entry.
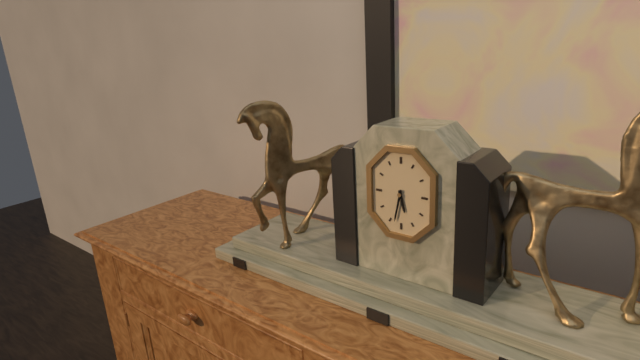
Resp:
5h32
